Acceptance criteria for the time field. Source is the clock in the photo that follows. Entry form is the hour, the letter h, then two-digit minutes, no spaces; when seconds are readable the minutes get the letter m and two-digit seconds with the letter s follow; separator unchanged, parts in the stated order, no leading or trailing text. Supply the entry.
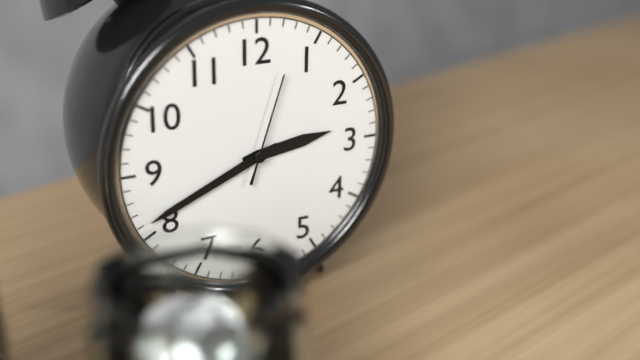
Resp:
2h41m03s
